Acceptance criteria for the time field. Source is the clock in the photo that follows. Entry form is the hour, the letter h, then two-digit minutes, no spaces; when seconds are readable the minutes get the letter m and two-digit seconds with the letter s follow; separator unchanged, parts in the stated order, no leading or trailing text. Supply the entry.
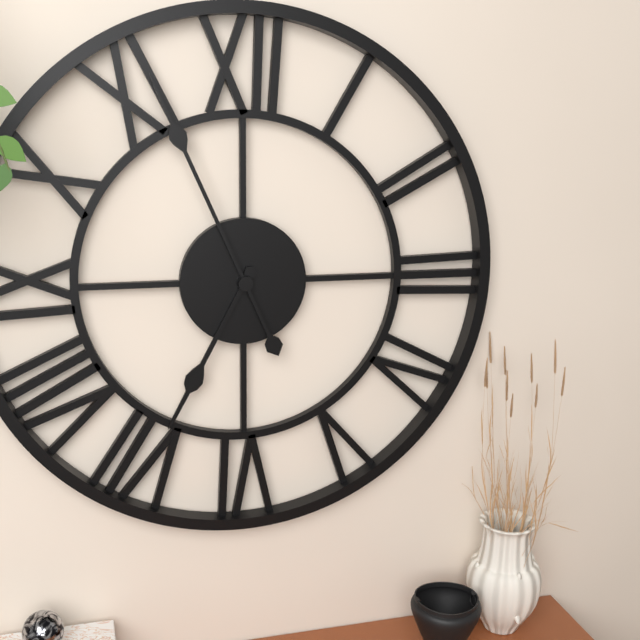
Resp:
6h56
